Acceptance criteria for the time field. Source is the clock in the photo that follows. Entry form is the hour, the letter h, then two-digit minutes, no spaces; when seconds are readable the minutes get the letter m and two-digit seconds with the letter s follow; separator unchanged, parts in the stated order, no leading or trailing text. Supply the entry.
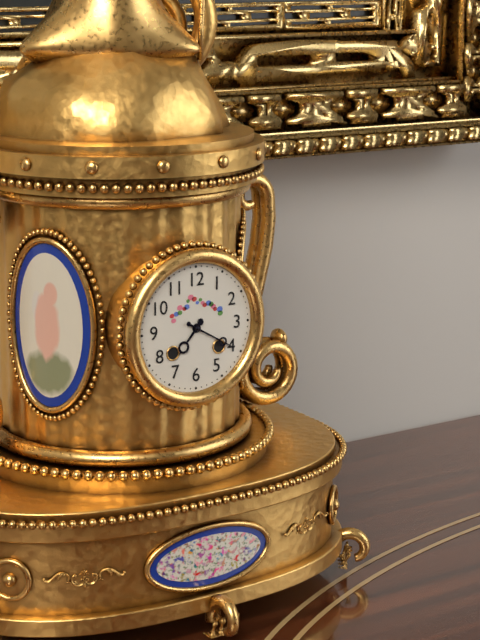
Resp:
7h20
